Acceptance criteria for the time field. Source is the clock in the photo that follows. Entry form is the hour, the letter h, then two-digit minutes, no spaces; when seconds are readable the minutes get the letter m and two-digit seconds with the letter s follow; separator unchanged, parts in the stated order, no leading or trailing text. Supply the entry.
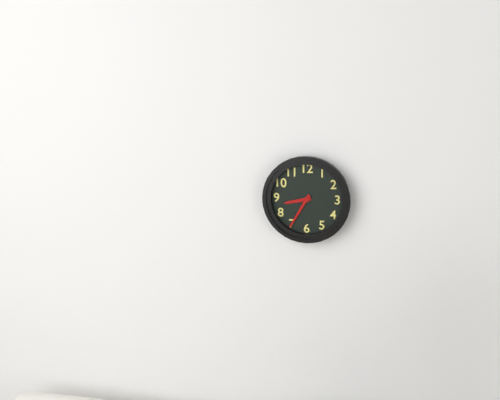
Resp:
8h35
